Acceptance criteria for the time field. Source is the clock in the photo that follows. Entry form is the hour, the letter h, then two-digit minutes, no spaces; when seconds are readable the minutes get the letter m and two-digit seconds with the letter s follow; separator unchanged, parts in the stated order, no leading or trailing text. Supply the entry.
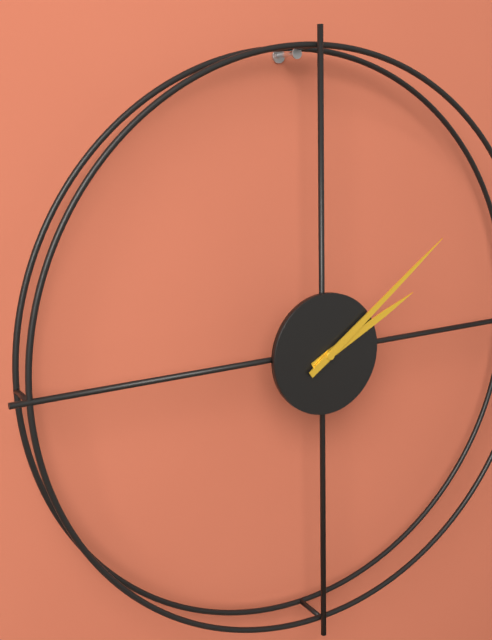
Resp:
2h09
